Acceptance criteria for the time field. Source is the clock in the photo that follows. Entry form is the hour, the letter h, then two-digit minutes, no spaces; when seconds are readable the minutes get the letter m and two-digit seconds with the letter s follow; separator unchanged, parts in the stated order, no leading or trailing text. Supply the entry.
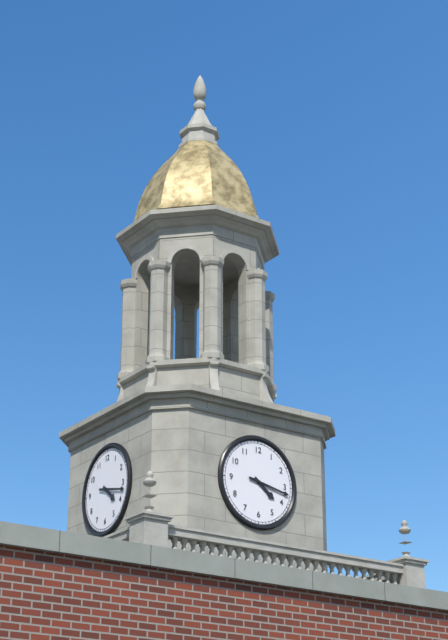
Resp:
4h17
